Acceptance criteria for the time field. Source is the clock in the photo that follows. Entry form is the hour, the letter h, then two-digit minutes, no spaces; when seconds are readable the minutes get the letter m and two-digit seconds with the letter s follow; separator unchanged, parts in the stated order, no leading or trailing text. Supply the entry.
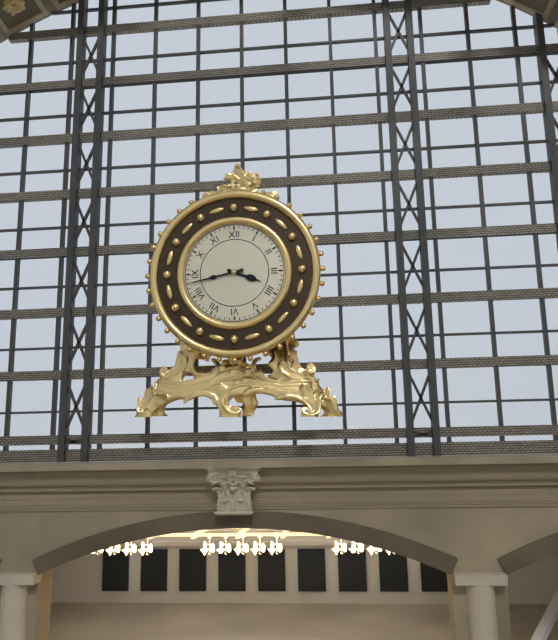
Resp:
3h43
